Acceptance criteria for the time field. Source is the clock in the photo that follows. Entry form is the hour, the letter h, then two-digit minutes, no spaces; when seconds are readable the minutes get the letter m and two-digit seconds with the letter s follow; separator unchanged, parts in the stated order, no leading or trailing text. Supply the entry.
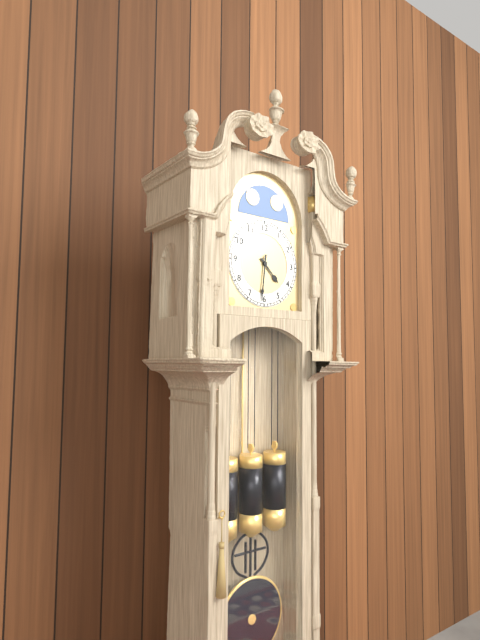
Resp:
4h31
